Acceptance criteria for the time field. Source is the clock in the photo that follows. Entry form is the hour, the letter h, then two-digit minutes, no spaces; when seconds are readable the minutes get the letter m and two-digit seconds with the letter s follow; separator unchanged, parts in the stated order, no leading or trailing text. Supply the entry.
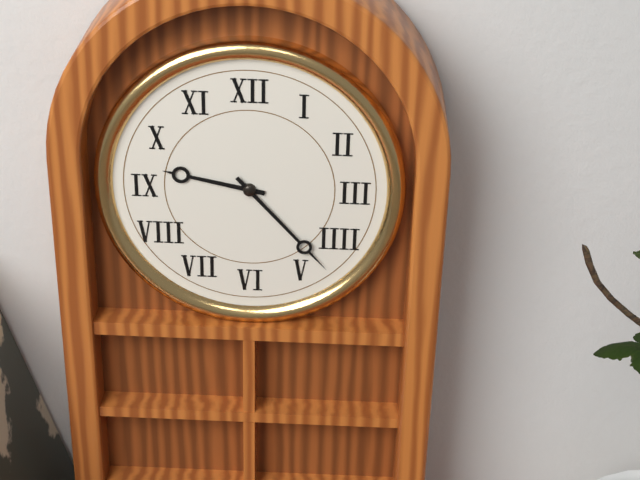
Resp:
9h23
